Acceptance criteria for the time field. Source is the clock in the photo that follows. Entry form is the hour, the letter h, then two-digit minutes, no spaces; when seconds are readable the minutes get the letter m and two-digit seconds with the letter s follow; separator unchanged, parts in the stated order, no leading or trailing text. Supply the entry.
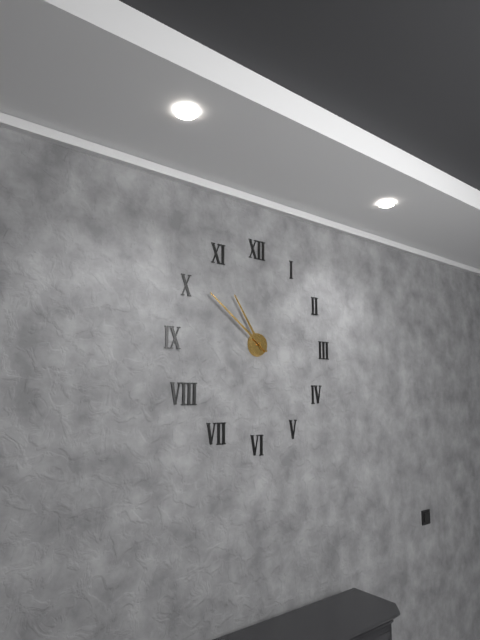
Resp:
10h51
